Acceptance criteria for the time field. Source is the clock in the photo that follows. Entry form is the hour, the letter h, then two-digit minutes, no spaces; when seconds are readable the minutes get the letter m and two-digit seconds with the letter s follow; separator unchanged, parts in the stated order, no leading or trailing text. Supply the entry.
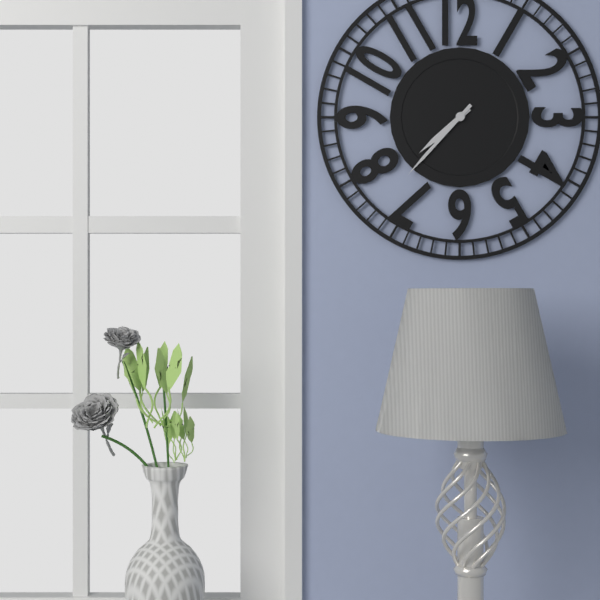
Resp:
7h37
